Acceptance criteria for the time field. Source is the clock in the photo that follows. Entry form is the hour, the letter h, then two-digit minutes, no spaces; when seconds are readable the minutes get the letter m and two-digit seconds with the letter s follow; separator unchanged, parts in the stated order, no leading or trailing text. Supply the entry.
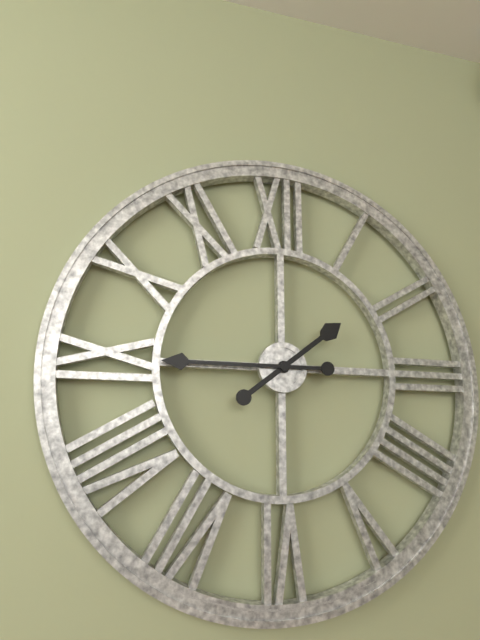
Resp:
1h45
